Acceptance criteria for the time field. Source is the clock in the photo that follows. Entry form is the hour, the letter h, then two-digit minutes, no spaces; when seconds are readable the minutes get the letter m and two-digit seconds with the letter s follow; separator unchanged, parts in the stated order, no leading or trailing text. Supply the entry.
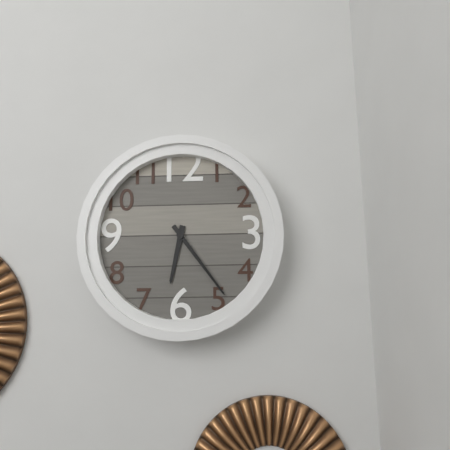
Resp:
6h24
